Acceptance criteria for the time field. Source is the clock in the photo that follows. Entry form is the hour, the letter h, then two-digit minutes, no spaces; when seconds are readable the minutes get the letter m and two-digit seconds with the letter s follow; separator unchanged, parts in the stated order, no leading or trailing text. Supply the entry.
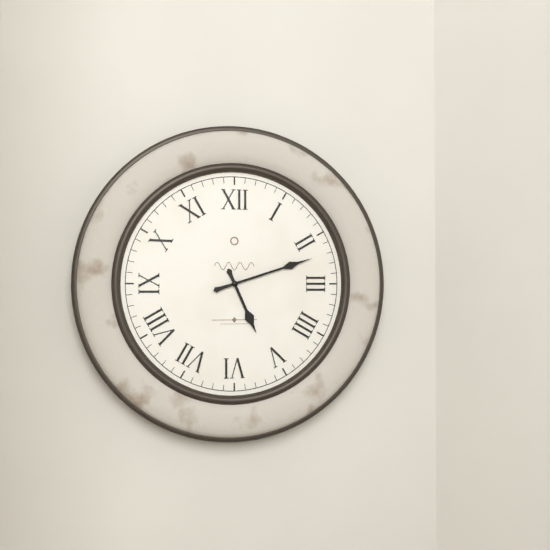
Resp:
5h12
